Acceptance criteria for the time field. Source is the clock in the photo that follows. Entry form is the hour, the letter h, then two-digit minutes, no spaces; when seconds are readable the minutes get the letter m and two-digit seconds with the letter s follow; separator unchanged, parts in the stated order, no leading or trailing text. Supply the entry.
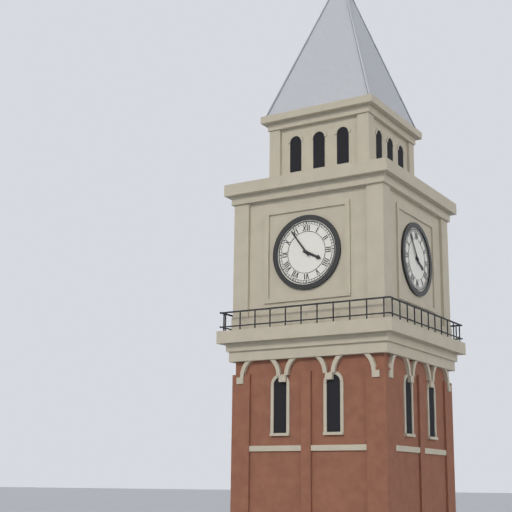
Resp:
3h54
